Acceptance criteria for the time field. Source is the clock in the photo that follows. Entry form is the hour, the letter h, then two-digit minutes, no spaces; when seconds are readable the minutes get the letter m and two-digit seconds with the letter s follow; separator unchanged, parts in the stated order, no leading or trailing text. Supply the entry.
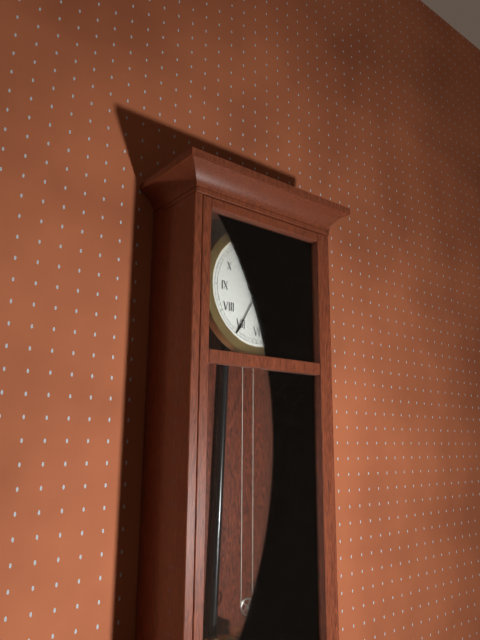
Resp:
3h35
